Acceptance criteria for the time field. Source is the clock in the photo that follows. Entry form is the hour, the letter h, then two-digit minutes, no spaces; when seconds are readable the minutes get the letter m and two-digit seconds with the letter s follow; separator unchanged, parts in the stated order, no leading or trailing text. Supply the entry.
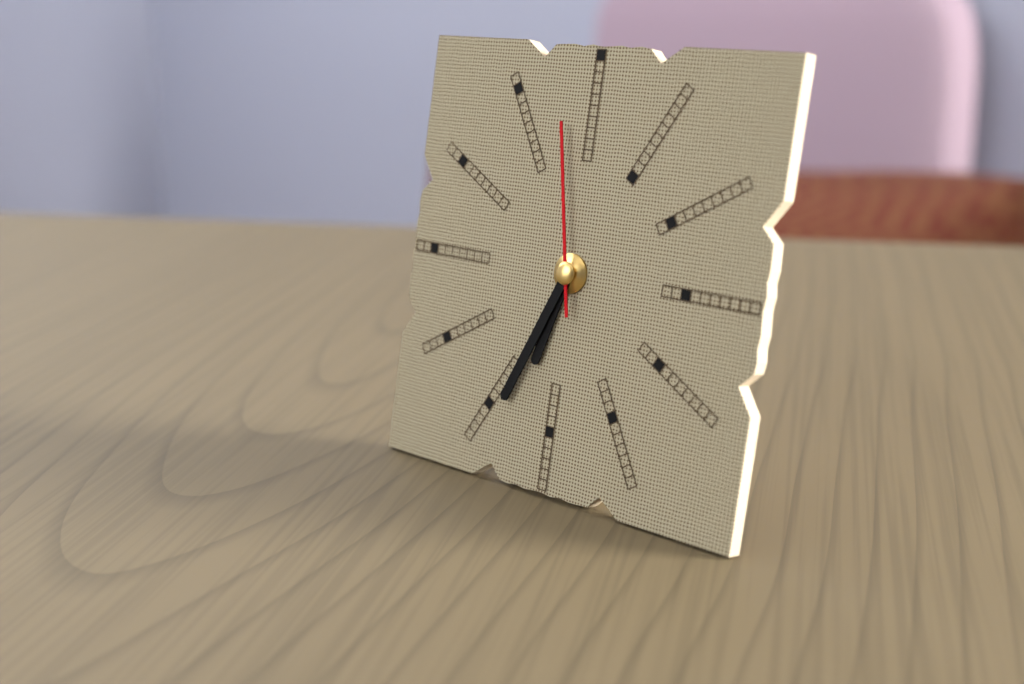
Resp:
6h34m58s
